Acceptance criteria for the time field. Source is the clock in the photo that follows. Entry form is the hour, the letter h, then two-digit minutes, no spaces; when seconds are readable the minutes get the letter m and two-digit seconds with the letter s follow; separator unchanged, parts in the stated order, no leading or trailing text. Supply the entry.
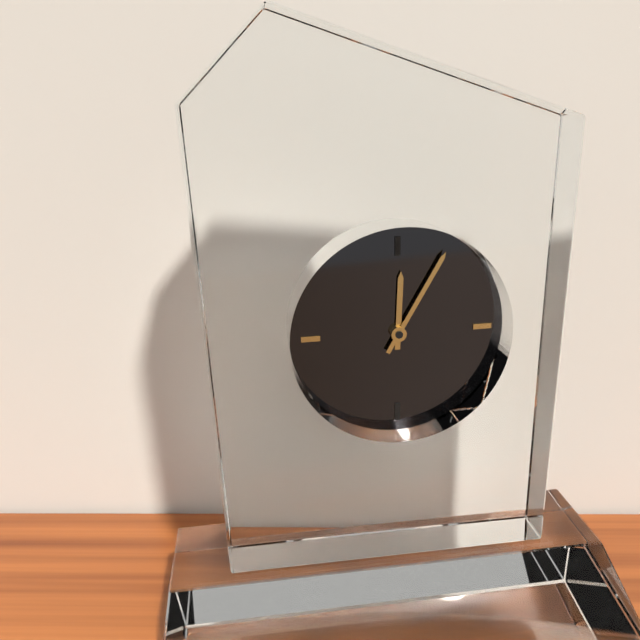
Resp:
12h05
